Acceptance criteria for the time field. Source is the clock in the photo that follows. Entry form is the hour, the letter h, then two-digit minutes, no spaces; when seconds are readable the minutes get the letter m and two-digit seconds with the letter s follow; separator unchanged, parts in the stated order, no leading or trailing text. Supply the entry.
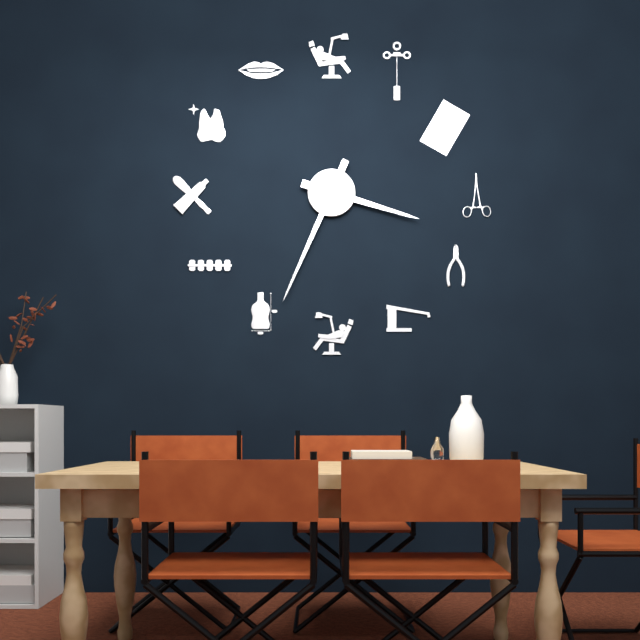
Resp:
3h34
